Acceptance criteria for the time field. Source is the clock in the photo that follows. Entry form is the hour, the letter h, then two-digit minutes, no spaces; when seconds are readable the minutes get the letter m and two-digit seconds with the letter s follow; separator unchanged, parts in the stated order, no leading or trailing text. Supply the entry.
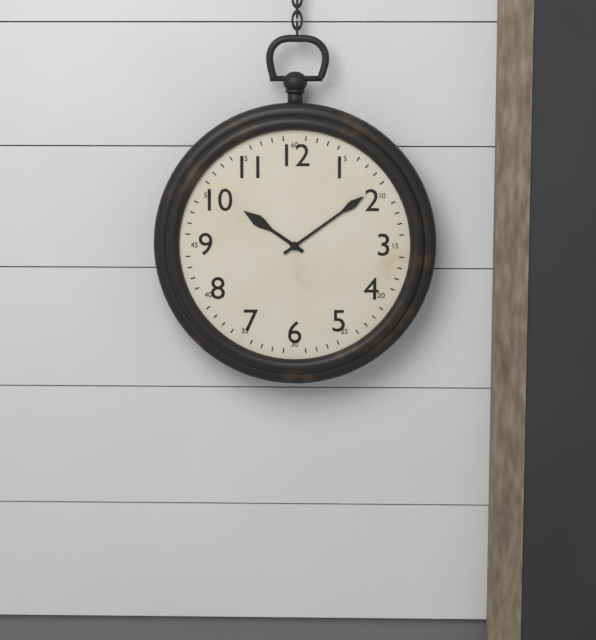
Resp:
10h09
